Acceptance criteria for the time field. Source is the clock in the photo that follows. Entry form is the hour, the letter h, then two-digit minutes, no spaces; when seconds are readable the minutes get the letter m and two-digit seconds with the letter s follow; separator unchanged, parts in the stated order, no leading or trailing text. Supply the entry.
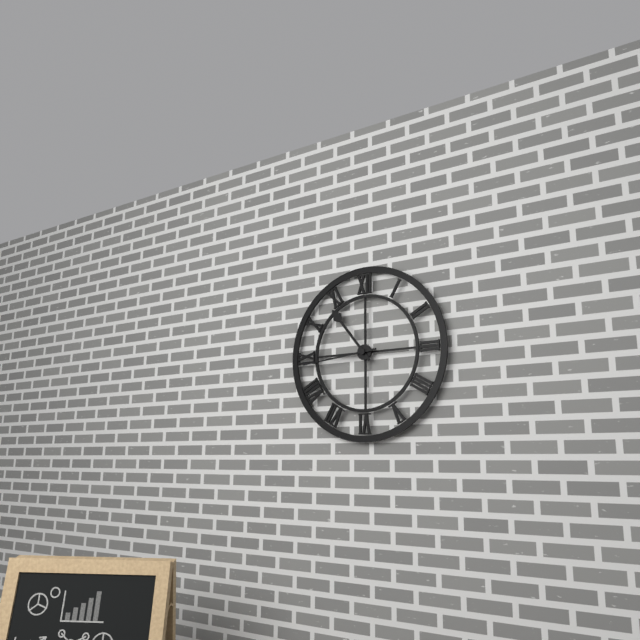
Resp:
10h44
